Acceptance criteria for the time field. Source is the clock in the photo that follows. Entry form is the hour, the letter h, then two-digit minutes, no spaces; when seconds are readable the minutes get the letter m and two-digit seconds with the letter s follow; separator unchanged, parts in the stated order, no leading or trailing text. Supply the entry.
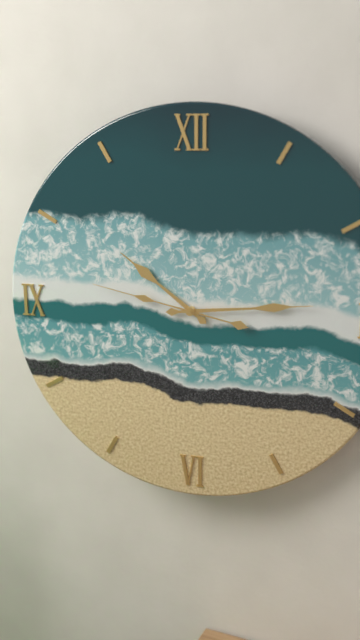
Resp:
10h14m47s
